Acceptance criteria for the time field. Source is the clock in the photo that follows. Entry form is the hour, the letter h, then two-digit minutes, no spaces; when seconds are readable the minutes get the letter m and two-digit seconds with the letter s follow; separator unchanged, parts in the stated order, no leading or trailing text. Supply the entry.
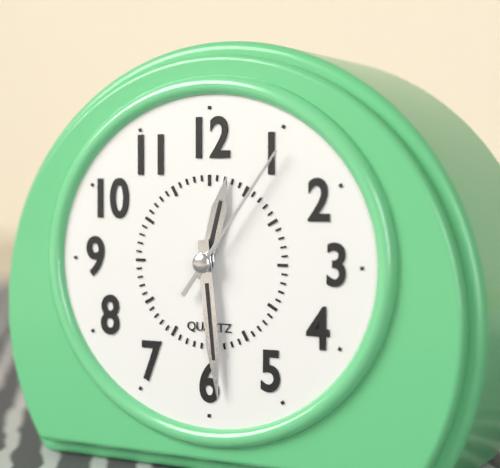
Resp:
12h29m06s
